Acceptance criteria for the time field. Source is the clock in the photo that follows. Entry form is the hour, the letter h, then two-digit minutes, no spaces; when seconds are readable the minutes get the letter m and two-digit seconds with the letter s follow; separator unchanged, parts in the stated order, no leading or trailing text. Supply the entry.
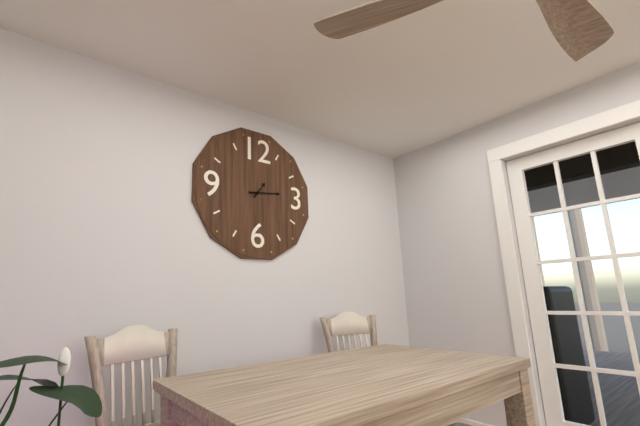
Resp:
1h14
